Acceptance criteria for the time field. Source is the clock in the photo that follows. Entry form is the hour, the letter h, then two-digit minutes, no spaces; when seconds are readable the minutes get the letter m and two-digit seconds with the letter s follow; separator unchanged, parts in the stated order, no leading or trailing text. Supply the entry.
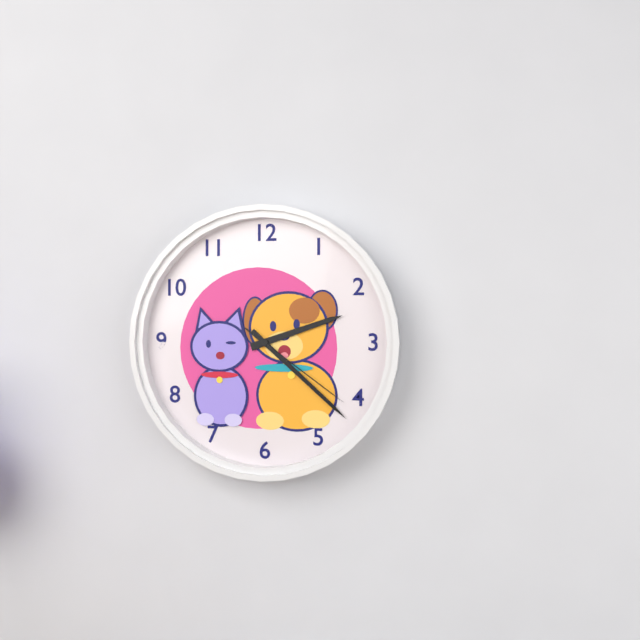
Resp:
2h22m21s
